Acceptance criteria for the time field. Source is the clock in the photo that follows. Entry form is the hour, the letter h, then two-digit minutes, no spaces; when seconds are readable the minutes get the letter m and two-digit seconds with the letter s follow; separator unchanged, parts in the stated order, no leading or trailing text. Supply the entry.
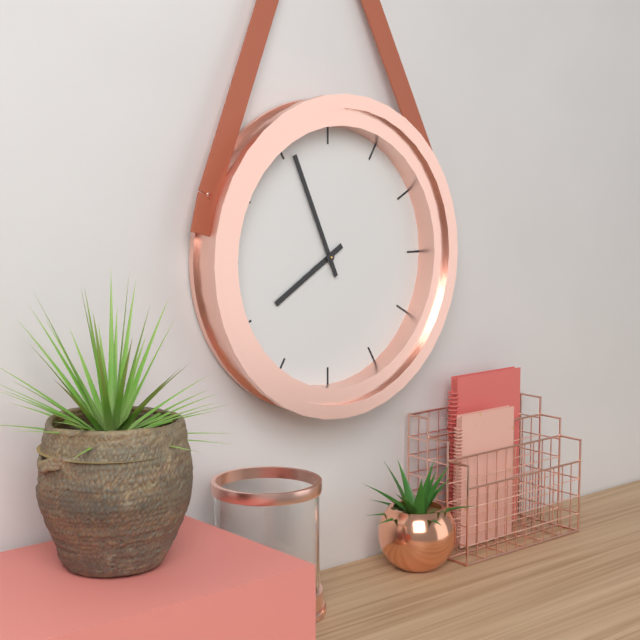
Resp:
7h56
